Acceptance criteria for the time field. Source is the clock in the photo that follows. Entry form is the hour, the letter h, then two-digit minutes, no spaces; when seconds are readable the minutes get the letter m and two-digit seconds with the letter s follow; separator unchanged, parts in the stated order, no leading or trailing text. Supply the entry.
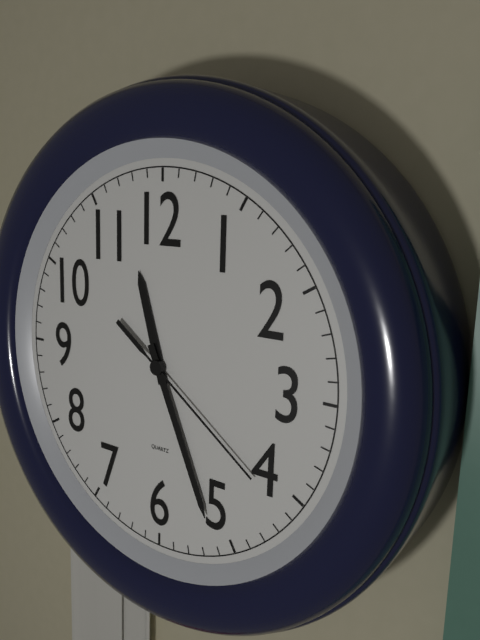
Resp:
11h26m21s
